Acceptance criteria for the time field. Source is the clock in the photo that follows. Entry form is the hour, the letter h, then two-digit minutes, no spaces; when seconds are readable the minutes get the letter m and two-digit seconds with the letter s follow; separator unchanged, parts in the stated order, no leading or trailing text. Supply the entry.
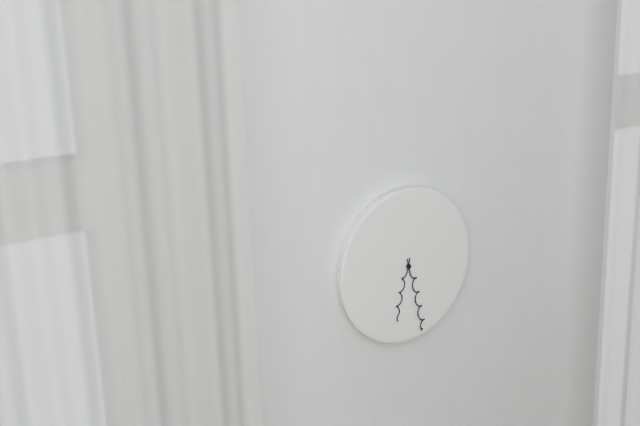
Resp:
6h28
